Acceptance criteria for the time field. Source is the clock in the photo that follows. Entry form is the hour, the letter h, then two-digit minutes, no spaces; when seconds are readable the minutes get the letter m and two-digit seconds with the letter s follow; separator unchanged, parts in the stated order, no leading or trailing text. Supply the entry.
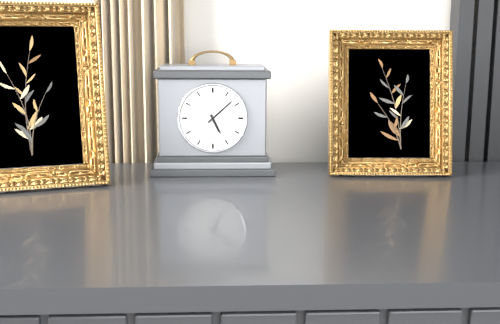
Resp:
5h08
